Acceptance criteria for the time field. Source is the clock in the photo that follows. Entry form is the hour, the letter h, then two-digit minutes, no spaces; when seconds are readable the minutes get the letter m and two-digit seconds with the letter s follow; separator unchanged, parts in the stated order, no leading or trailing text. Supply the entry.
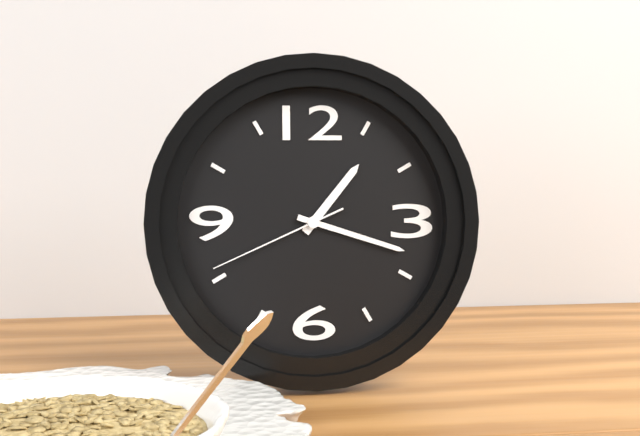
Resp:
1h18m41s
